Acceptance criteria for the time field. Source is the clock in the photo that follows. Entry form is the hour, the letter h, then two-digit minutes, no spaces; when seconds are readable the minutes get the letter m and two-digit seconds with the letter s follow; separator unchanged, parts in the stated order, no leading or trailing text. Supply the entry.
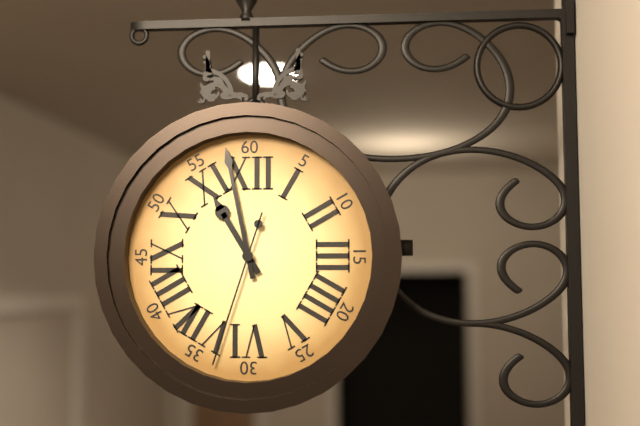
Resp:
10h58m33s
